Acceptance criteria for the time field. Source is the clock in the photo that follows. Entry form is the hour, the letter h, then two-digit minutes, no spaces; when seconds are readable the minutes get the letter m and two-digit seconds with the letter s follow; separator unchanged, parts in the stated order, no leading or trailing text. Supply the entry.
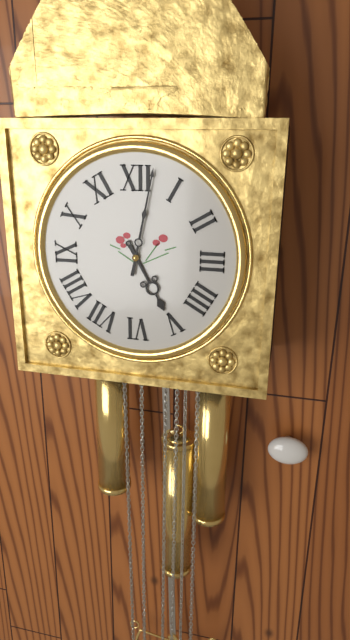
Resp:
5h02
